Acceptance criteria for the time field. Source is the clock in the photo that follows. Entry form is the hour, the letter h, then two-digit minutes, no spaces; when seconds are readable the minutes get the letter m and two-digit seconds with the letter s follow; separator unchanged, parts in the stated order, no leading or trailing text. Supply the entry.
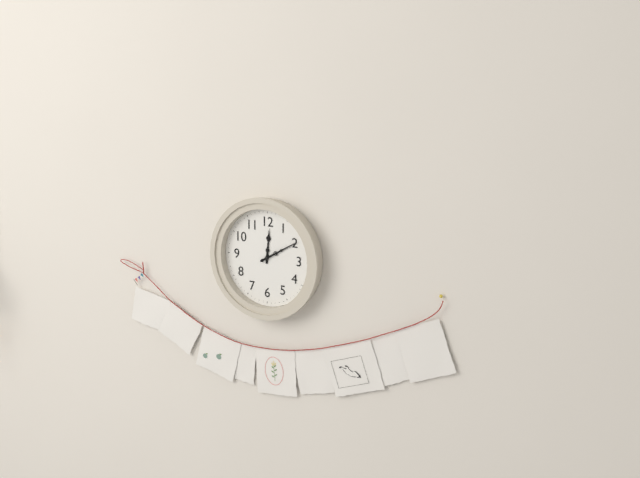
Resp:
12h10
